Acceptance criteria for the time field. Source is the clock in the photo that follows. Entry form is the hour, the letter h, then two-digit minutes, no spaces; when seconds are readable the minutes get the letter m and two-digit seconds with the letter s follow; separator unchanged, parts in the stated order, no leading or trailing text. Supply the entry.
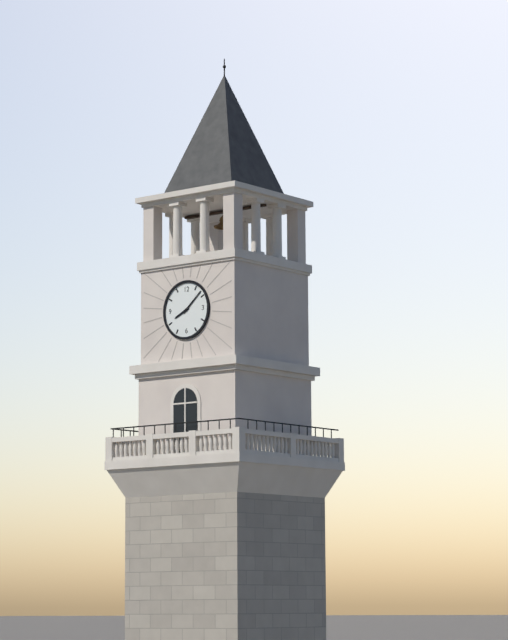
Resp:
8h08
